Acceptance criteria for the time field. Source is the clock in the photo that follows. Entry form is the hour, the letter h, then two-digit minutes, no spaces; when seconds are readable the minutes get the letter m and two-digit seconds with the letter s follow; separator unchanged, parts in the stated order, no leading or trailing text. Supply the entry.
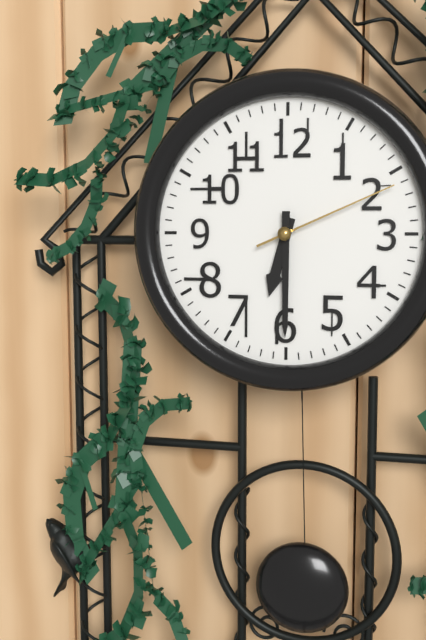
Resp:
6h30m11s
